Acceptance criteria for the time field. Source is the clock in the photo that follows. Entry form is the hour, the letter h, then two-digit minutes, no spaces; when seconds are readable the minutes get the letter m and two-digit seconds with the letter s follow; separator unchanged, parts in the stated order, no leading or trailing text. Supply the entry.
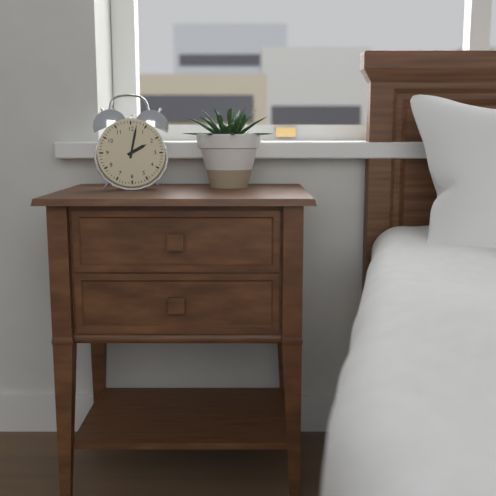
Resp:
2h02
